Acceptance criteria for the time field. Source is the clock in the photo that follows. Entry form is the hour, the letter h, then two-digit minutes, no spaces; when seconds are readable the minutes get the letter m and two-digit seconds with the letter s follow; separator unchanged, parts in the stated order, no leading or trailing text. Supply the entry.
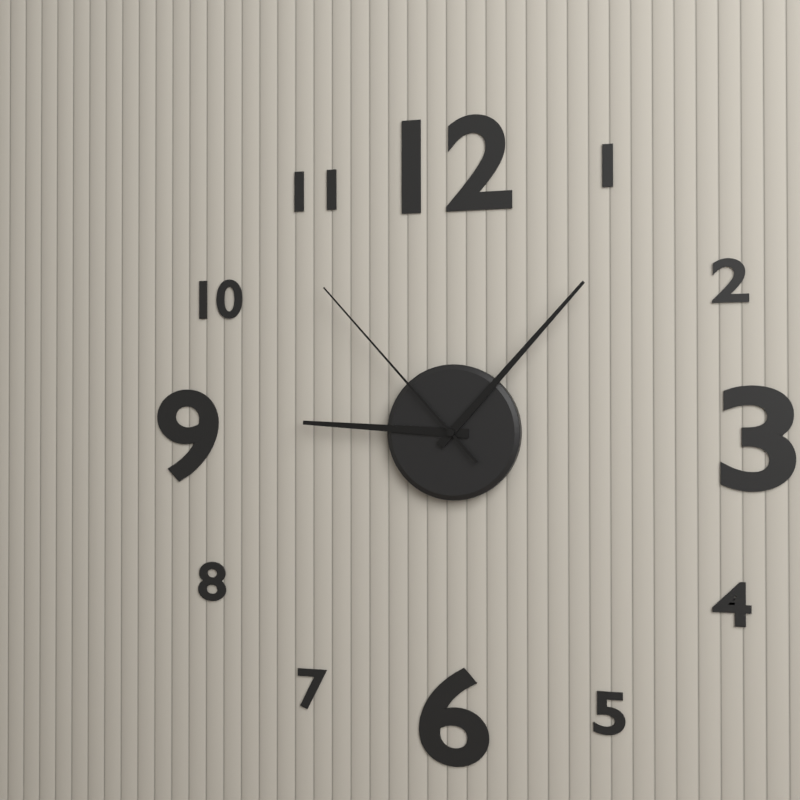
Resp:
9h07m53s
